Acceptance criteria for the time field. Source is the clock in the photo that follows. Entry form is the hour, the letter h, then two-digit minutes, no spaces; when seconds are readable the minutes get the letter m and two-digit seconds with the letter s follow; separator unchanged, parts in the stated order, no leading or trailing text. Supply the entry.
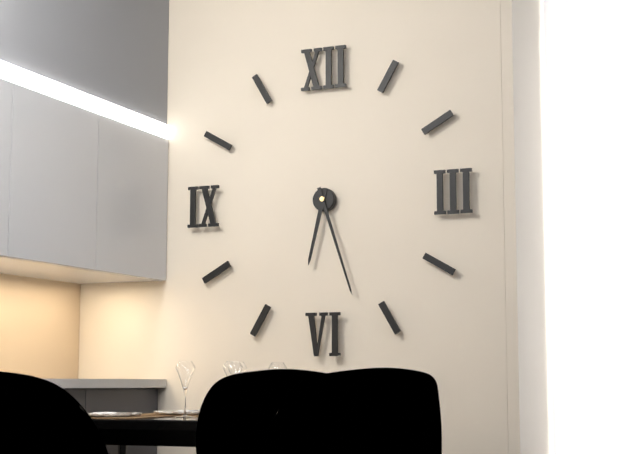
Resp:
6h27
